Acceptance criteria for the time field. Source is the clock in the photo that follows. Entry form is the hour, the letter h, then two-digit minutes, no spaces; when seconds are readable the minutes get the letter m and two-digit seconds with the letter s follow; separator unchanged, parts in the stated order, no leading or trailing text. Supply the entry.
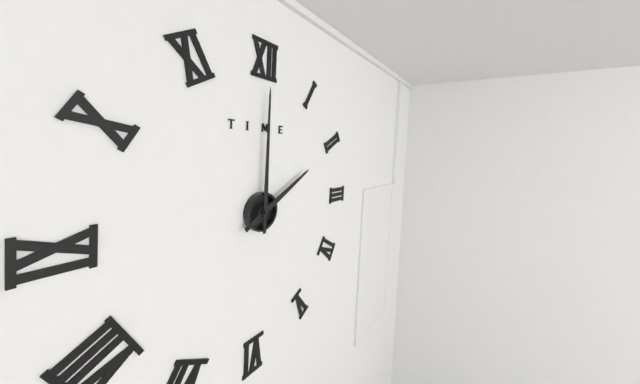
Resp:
2h00
